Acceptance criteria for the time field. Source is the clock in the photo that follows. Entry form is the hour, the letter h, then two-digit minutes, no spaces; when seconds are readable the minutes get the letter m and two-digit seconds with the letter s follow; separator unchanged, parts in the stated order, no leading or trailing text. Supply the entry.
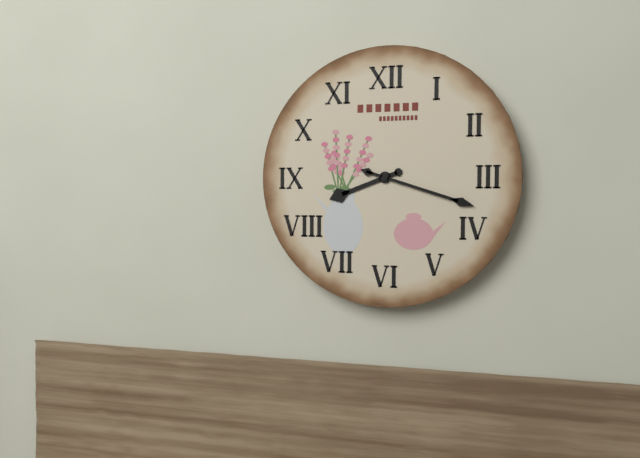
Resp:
8h18
